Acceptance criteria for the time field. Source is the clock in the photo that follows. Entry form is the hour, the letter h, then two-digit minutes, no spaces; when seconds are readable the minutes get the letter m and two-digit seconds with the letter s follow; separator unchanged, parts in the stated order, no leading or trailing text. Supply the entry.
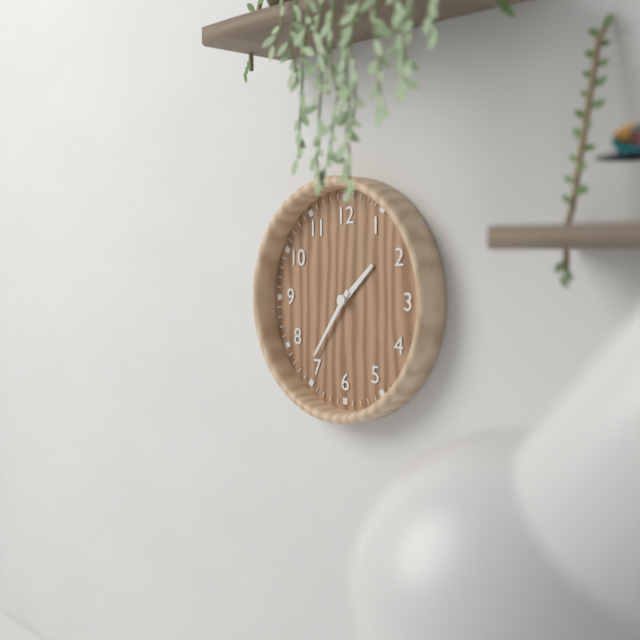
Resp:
1h36
